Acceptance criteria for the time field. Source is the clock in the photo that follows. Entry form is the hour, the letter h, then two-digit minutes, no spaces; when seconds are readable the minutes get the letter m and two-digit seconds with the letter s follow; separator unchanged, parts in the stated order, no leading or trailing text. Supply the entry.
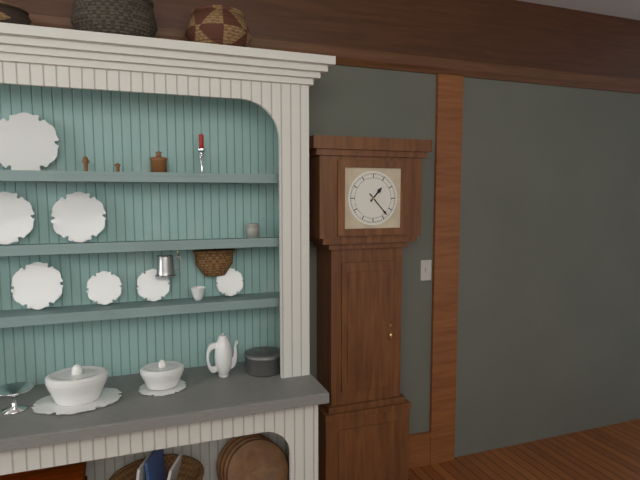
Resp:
1h23
